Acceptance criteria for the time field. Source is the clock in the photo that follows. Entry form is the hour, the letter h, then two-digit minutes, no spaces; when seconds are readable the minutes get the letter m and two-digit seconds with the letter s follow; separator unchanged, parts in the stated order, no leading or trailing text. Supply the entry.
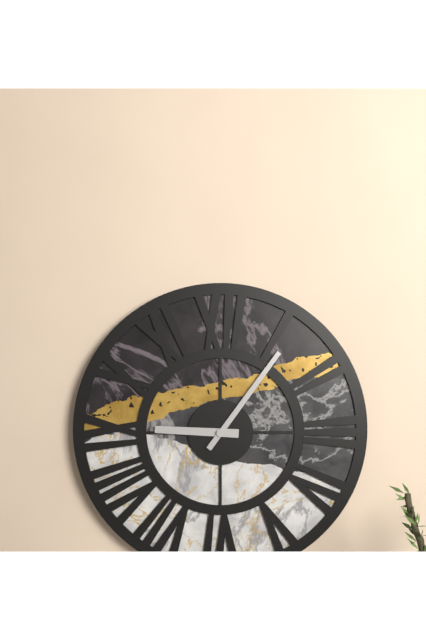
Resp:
9h06
